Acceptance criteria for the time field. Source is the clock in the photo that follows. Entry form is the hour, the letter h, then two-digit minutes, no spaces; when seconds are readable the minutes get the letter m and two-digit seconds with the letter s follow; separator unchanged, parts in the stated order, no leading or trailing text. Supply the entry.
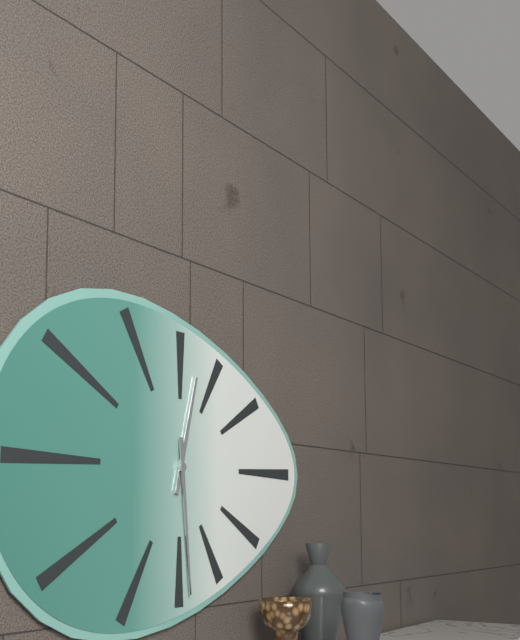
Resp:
12h29
